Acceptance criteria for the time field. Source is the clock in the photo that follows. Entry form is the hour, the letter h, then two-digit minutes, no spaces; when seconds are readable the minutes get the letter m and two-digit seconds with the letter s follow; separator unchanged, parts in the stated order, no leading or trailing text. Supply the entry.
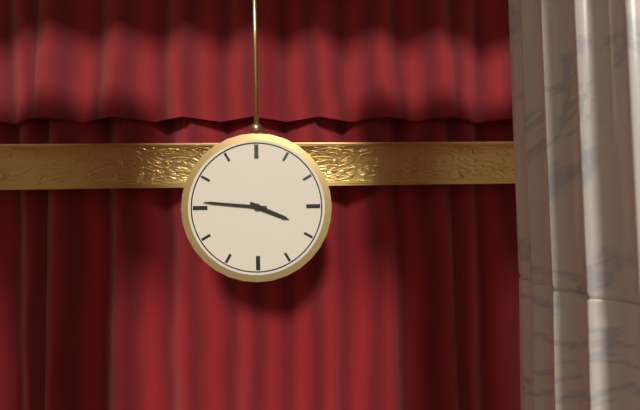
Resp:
3h46
